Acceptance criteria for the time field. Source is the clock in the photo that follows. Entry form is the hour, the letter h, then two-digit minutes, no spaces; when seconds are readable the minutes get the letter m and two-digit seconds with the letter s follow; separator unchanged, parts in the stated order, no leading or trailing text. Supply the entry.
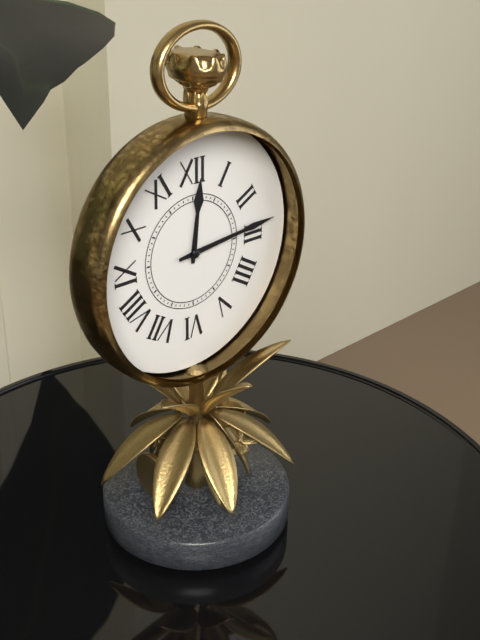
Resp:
12h14
